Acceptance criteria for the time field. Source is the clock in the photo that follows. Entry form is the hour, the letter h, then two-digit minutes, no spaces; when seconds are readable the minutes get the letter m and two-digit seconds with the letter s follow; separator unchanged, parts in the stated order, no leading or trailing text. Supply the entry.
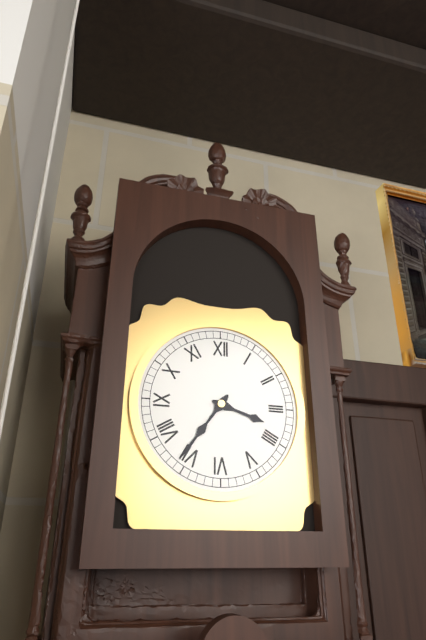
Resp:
3h36
